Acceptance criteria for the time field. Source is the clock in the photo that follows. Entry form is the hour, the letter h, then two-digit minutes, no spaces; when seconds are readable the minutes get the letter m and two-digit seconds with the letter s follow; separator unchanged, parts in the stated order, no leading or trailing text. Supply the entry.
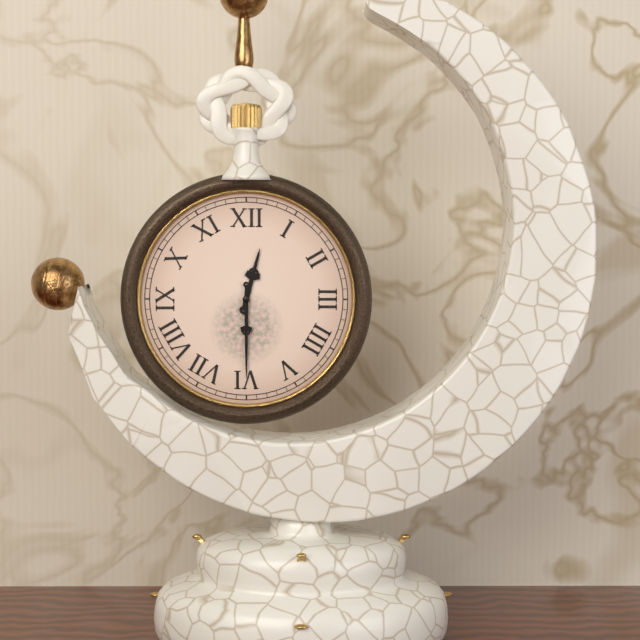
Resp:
12h30
